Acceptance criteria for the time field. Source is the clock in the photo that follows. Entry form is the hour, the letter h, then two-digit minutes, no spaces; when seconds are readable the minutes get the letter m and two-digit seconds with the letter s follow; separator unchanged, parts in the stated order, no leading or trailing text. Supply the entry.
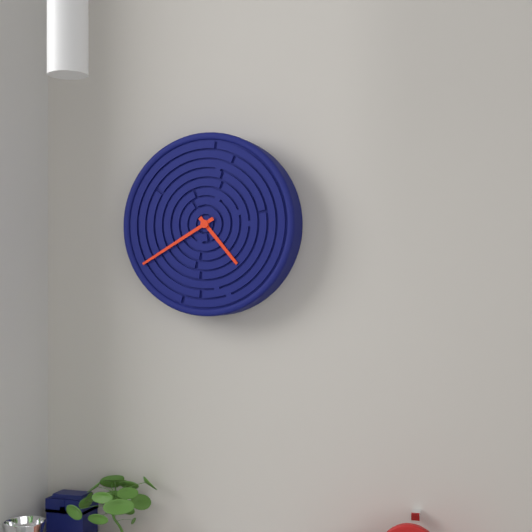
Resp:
4h40
